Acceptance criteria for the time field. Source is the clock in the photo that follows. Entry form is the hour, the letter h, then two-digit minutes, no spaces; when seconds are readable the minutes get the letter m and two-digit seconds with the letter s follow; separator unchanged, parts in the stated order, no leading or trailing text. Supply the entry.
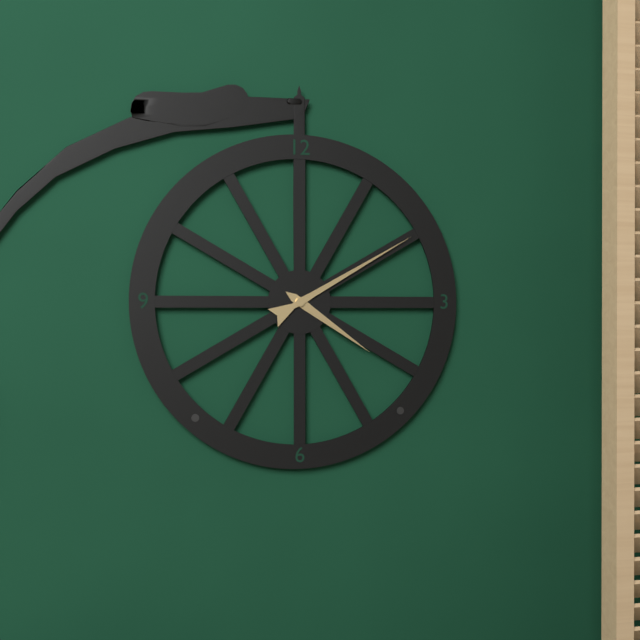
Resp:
4h10
